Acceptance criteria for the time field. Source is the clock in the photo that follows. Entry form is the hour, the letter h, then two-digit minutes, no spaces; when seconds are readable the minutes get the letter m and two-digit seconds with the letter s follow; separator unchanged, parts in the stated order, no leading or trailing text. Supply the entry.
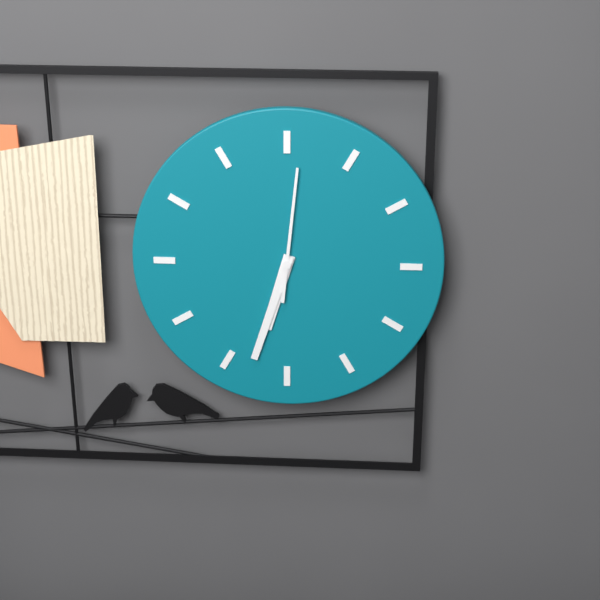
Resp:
6h33m01s
